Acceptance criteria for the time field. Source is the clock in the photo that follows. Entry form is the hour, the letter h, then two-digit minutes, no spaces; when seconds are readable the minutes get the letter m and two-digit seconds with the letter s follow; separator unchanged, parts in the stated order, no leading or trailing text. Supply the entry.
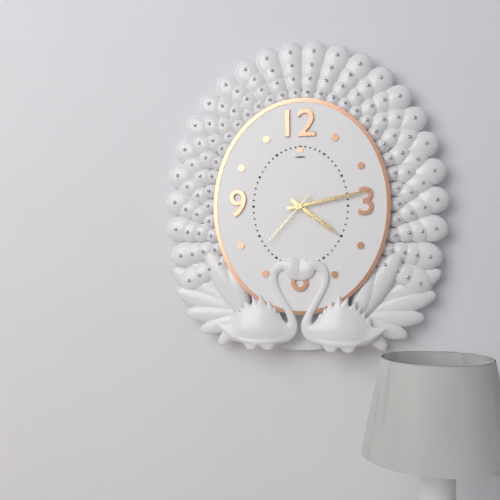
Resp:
4h13m37s
